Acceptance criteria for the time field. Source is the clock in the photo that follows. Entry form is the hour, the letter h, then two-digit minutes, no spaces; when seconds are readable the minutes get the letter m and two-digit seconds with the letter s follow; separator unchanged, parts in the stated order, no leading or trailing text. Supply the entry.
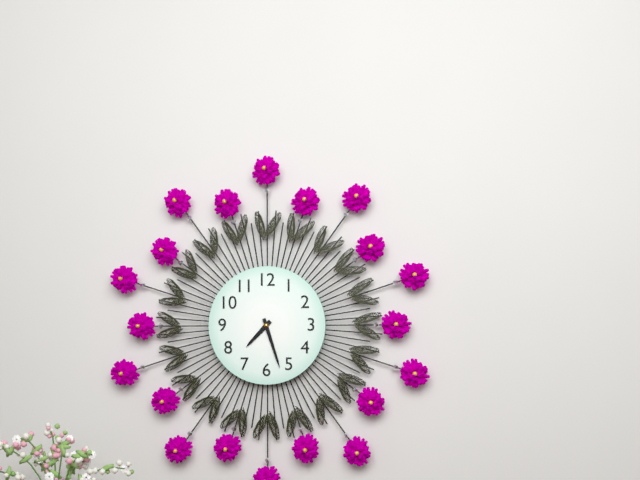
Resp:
7h27
